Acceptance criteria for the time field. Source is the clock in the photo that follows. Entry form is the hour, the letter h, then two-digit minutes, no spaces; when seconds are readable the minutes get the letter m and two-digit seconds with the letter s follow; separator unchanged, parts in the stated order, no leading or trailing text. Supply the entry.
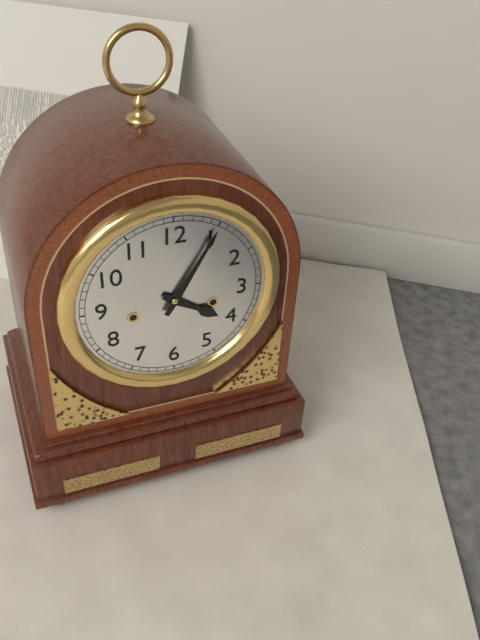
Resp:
4h05
